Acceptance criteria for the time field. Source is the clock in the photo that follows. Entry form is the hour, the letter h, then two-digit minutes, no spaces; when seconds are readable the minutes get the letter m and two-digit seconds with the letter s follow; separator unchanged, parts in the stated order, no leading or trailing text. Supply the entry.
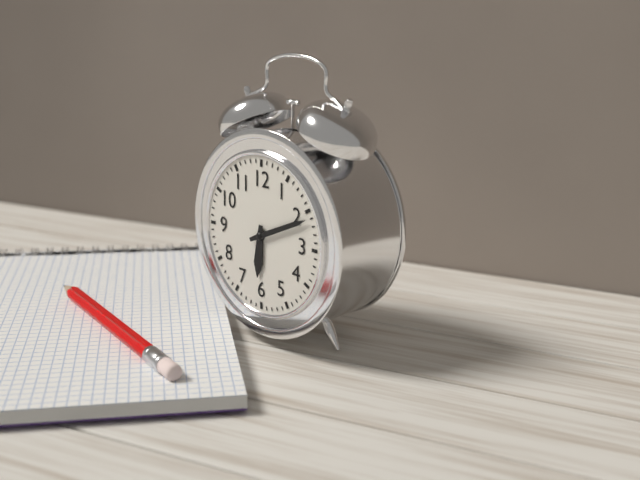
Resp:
6h11
